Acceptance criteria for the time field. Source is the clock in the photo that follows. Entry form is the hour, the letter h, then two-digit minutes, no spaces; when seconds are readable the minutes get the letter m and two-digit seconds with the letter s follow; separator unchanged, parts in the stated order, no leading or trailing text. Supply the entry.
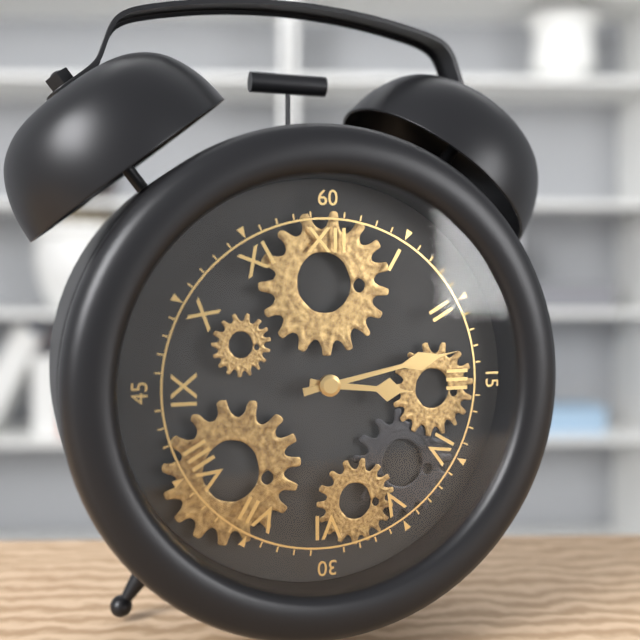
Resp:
3h13
